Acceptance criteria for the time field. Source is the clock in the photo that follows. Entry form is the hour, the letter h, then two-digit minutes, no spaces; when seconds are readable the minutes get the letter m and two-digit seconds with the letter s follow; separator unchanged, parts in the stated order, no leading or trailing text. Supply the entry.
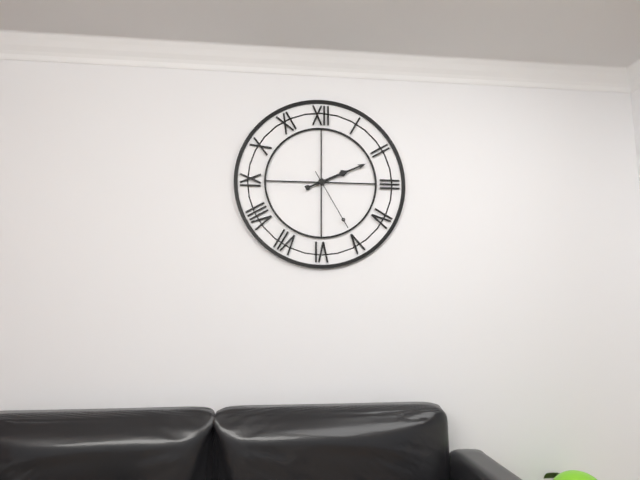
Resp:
2h11m25s
